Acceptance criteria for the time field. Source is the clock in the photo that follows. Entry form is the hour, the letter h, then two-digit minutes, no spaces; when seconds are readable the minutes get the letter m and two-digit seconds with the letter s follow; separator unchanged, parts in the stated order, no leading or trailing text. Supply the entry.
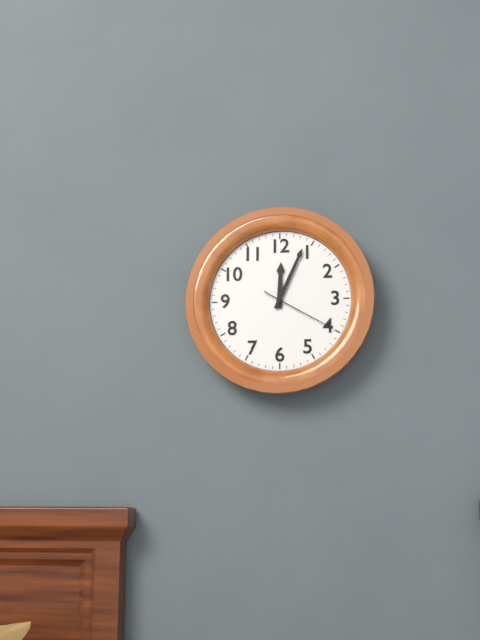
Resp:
12h04m20s
